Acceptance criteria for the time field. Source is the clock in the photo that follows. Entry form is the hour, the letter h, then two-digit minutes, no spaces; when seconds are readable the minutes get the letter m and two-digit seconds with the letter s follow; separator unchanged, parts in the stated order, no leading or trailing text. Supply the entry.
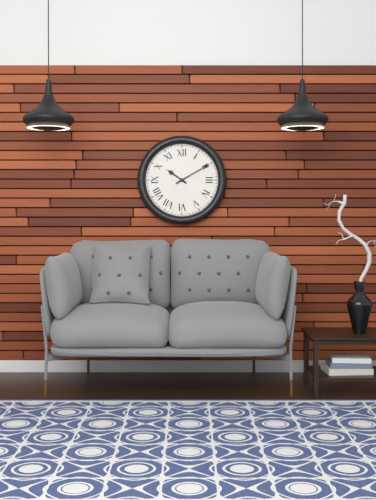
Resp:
10h10
